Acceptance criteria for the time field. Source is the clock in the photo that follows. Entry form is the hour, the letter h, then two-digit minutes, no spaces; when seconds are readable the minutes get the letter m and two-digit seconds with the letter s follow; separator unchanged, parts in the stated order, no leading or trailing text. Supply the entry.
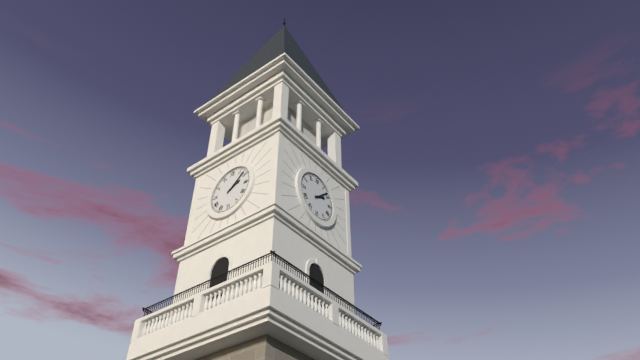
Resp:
2h08
